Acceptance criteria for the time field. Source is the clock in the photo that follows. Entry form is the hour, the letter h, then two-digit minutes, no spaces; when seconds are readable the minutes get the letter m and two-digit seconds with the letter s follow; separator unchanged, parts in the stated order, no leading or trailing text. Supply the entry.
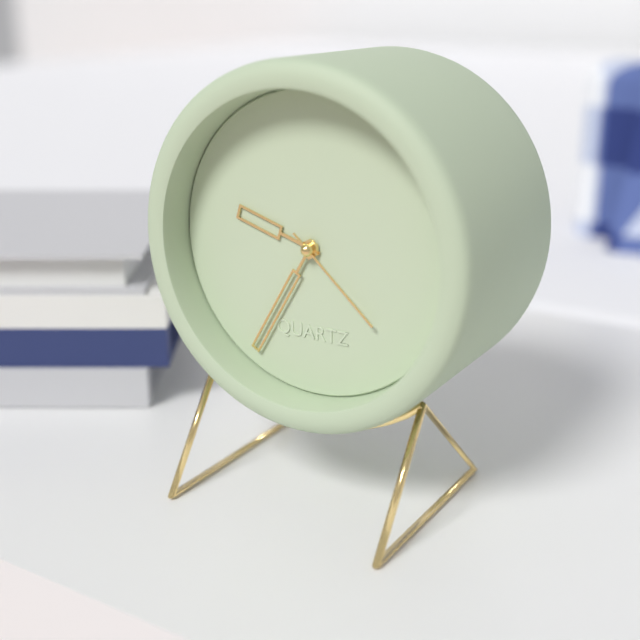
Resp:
9h35m22s
